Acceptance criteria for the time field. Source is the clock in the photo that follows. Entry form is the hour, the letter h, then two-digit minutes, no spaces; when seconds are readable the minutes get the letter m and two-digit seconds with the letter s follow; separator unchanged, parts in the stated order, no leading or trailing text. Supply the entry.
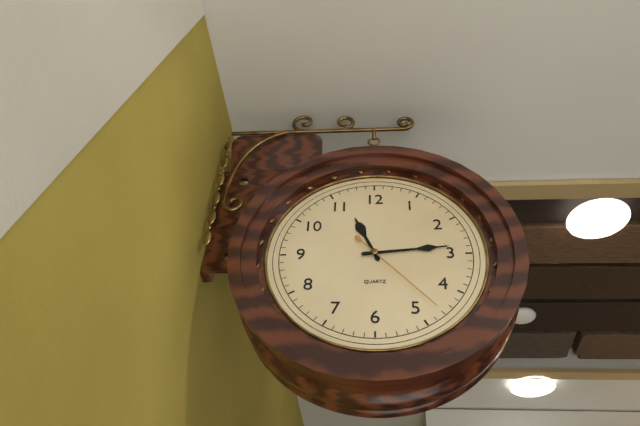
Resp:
11h14m23s
